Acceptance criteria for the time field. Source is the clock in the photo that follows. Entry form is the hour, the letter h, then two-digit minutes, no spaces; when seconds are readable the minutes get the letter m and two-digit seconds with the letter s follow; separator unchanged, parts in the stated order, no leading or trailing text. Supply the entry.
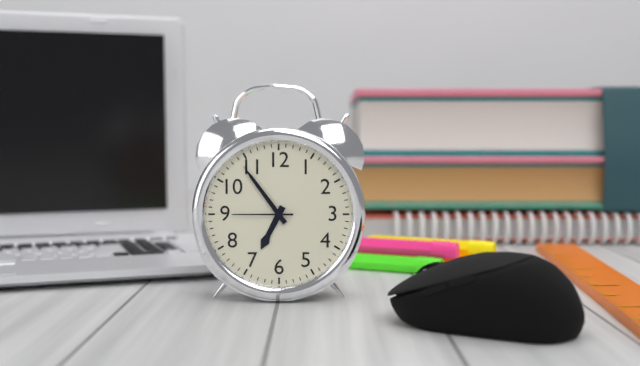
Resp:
6h54m45s
